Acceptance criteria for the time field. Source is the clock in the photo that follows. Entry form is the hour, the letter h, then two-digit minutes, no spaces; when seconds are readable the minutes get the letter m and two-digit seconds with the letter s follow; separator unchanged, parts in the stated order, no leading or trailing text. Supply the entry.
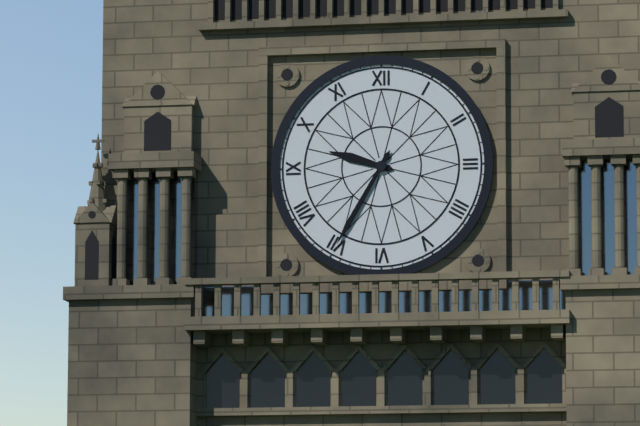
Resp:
9h35
